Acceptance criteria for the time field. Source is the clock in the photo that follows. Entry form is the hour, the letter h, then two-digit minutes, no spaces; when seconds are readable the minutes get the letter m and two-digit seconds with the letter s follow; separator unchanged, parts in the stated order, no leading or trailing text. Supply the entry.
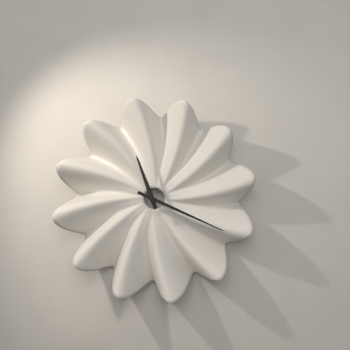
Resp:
11h19
